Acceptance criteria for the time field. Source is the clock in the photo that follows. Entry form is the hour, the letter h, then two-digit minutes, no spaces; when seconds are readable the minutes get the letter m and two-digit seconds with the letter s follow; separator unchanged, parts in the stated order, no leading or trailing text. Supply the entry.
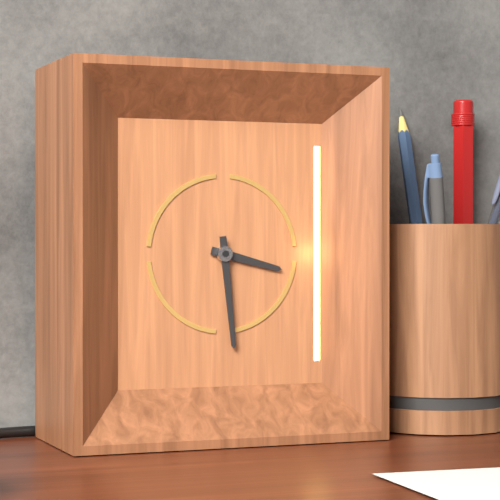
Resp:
3h29
